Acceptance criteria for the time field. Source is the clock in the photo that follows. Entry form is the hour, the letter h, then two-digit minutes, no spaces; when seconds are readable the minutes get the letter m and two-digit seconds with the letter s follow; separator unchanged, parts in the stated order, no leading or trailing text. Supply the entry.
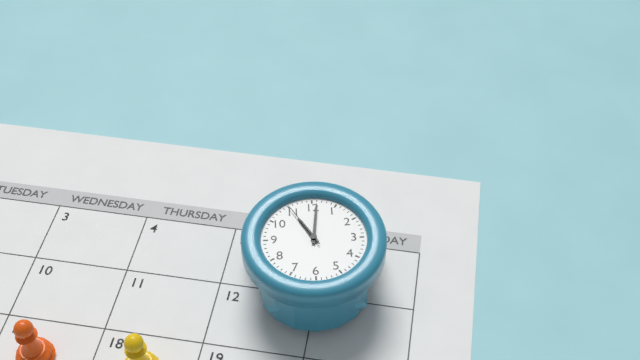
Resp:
11h01m55s
